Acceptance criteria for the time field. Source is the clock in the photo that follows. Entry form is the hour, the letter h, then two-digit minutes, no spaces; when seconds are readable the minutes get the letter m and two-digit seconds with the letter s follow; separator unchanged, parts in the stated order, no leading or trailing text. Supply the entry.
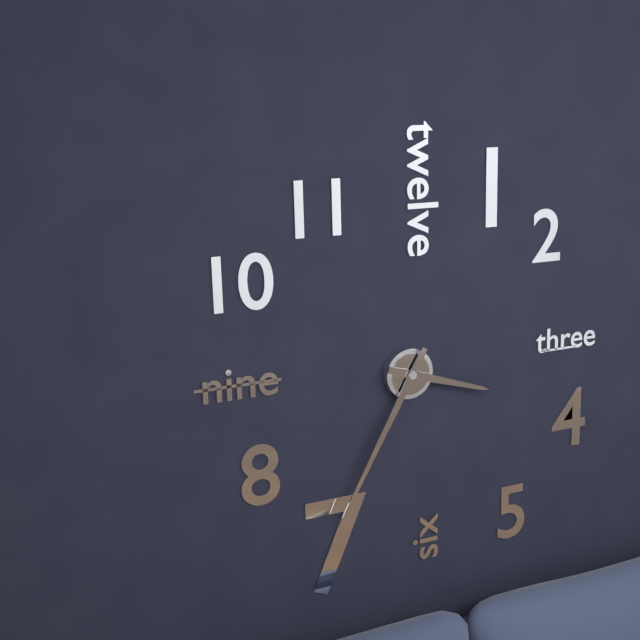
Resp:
3h35
